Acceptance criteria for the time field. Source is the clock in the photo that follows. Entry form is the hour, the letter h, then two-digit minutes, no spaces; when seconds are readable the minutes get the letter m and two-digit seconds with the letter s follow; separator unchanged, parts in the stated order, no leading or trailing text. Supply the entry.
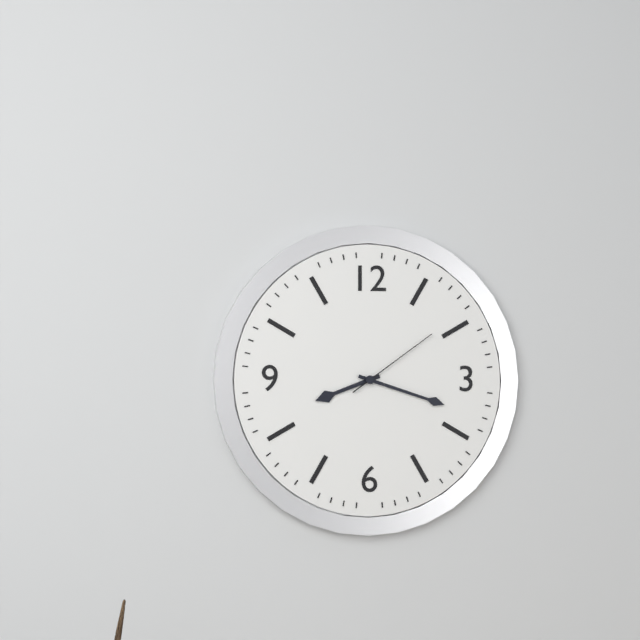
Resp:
8h18m09s
